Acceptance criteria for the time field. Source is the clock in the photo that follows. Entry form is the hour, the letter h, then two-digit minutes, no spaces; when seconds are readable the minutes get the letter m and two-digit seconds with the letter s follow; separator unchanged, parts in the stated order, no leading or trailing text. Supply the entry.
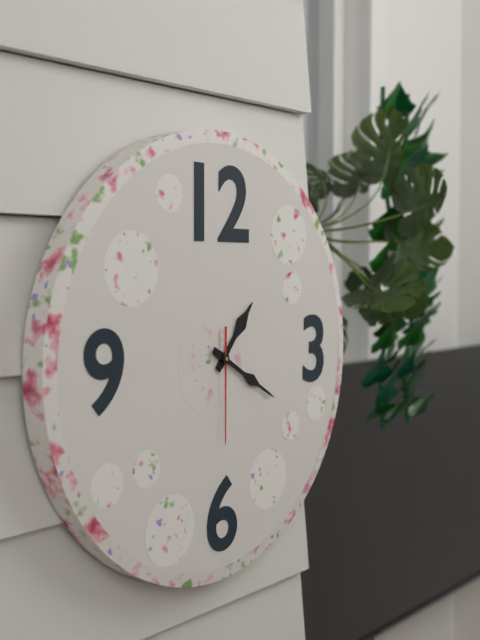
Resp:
1h20m30s
